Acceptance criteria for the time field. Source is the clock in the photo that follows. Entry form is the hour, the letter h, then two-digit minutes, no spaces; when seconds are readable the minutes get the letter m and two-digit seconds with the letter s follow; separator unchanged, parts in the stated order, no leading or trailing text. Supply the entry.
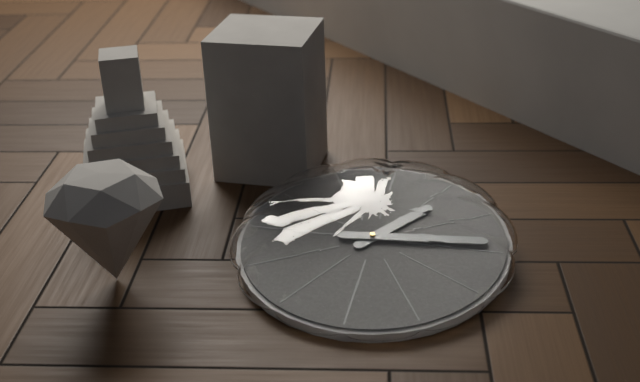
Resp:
1h14
